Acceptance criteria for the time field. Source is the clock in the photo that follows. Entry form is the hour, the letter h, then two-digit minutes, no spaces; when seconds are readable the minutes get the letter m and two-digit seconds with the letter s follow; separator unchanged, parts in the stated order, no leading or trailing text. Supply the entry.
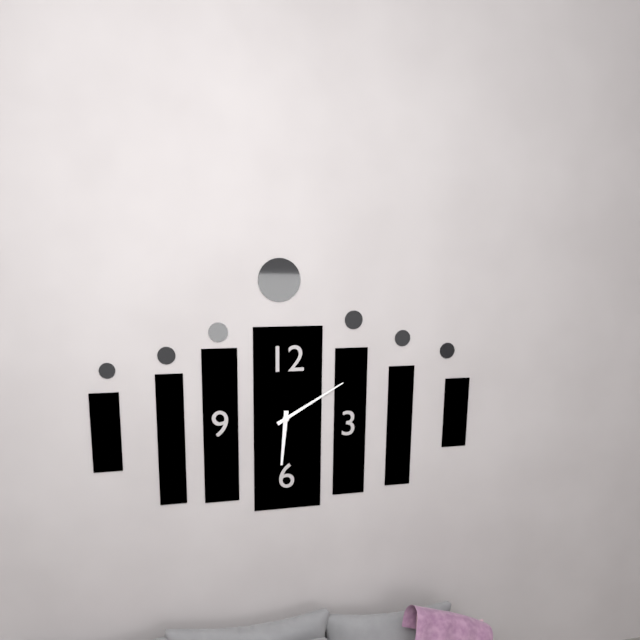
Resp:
6h10
